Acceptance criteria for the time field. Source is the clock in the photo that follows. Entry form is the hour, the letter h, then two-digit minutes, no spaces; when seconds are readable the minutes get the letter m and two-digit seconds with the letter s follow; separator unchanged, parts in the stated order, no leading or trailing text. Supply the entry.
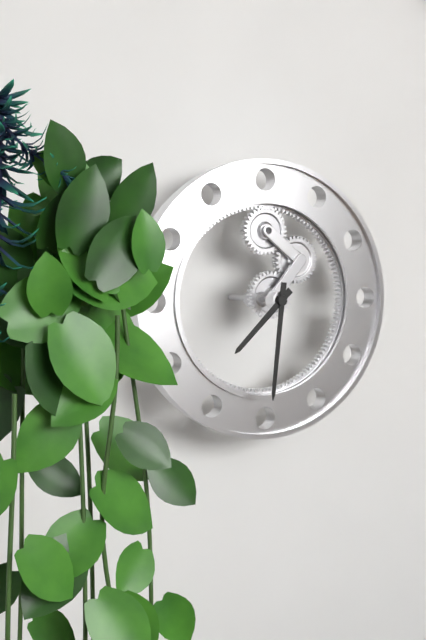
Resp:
7h31
